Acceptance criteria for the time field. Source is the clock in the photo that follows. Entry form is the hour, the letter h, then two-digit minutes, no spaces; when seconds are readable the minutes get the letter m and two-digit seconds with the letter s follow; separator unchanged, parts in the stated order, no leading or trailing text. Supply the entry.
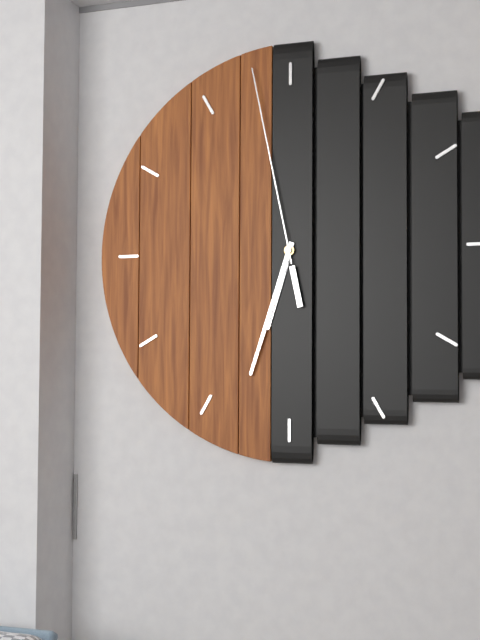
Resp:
6h33m58s
